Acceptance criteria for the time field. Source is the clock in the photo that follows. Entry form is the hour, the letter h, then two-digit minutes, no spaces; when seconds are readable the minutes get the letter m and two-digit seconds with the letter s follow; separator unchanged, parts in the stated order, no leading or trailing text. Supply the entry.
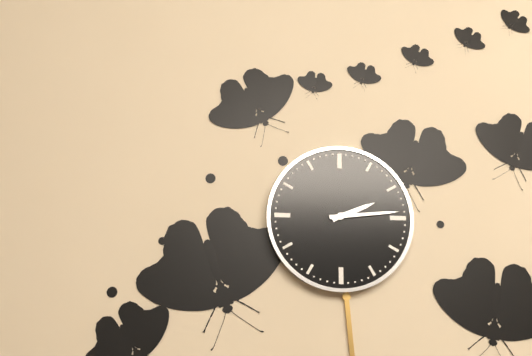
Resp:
2h14
